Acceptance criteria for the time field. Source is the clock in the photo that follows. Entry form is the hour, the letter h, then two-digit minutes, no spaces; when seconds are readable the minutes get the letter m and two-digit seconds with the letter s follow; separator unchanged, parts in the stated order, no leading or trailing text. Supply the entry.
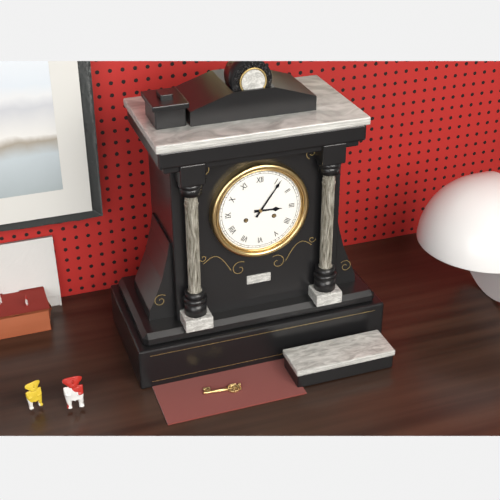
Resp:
3h06
